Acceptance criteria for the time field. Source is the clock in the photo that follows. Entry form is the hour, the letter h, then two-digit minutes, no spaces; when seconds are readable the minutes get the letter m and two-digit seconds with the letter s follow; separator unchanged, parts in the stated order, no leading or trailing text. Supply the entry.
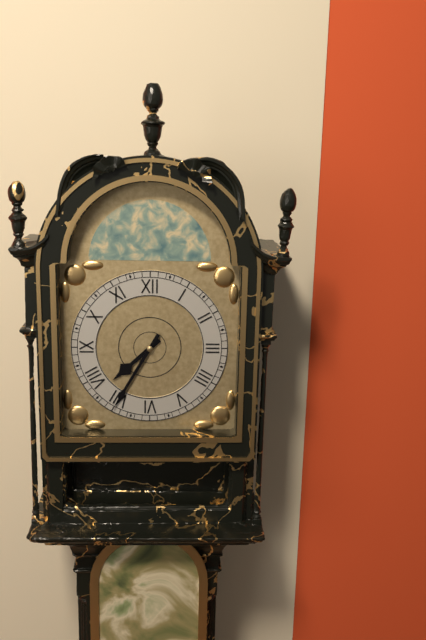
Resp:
7h35
